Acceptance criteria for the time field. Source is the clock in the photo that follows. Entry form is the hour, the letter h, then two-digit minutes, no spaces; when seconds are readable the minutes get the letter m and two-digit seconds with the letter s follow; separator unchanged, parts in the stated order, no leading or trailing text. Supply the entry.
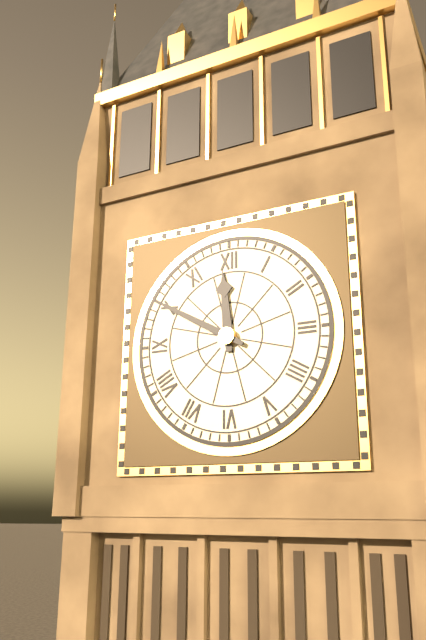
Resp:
11h50
